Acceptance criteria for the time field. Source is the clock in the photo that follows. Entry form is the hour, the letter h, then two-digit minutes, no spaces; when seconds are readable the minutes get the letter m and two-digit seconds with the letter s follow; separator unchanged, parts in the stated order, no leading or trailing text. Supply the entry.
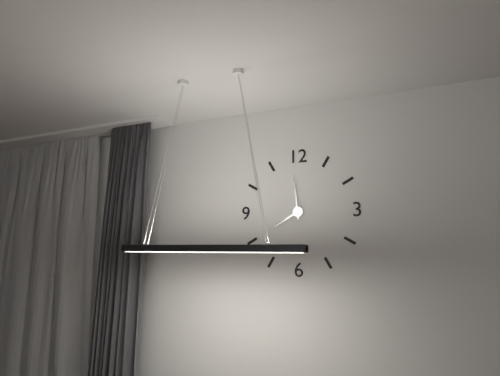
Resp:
7h59
